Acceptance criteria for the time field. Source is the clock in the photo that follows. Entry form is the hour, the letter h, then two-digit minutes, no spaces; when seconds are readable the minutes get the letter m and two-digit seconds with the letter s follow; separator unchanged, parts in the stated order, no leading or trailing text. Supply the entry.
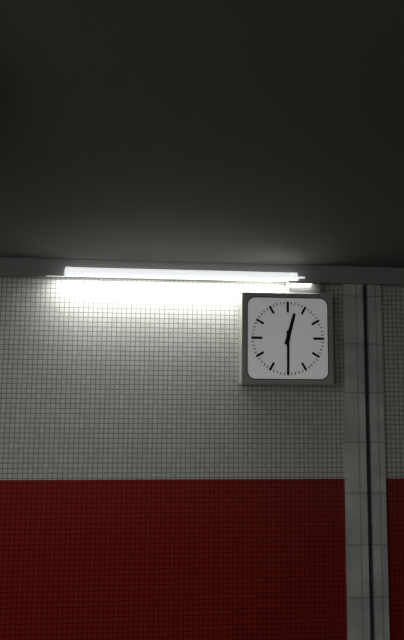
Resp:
12h30
